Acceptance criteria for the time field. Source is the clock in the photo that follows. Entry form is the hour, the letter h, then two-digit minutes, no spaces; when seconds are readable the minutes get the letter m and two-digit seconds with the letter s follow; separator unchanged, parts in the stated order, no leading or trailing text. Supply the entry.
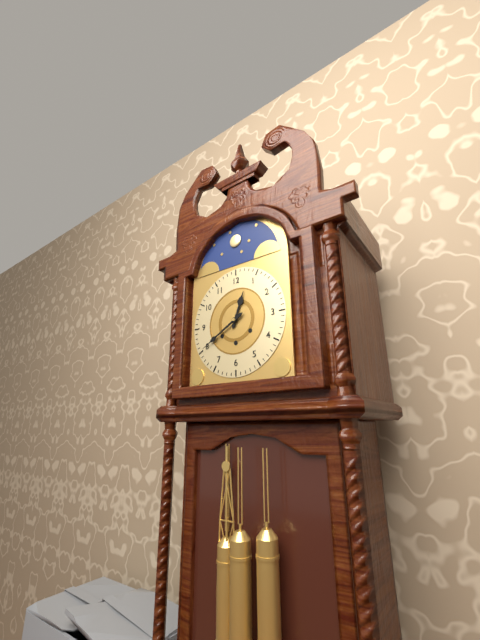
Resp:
12h40
